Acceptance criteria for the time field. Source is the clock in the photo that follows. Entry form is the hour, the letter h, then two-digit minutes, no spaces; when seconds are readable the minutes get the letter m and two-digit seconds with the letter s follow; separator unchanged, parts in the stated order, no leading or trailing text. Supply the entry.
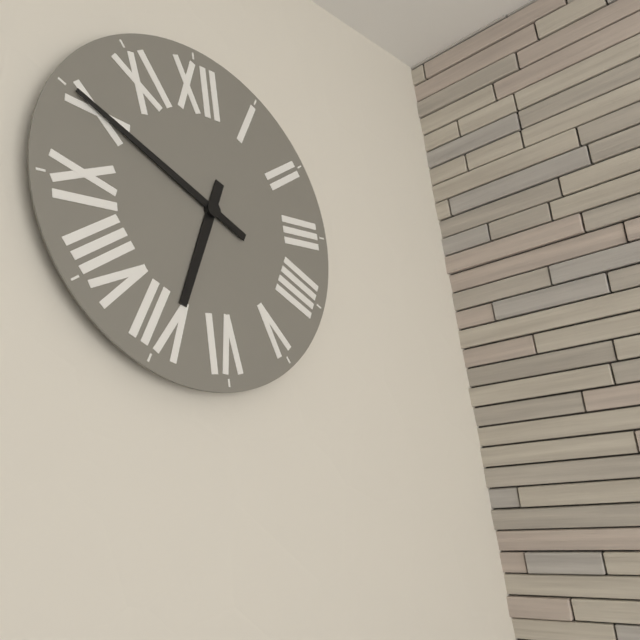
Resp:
6h50
